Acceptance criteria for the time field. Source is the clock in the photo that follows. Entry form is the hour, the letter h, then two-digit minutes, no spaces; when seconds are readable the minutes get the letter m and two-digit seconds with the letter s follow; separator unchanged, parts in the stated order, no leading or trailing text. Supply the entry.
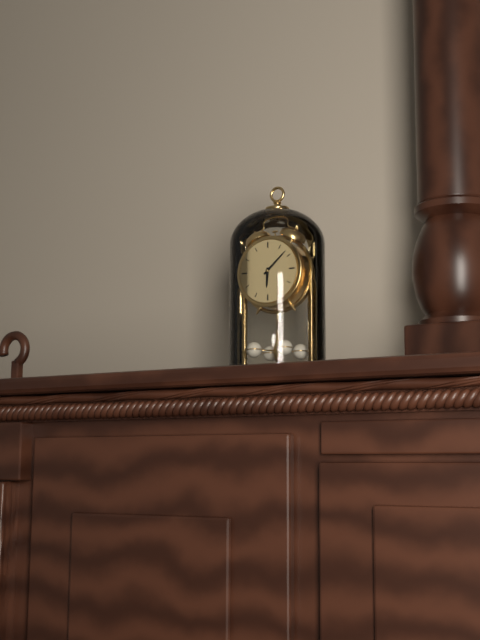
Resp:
6h08
